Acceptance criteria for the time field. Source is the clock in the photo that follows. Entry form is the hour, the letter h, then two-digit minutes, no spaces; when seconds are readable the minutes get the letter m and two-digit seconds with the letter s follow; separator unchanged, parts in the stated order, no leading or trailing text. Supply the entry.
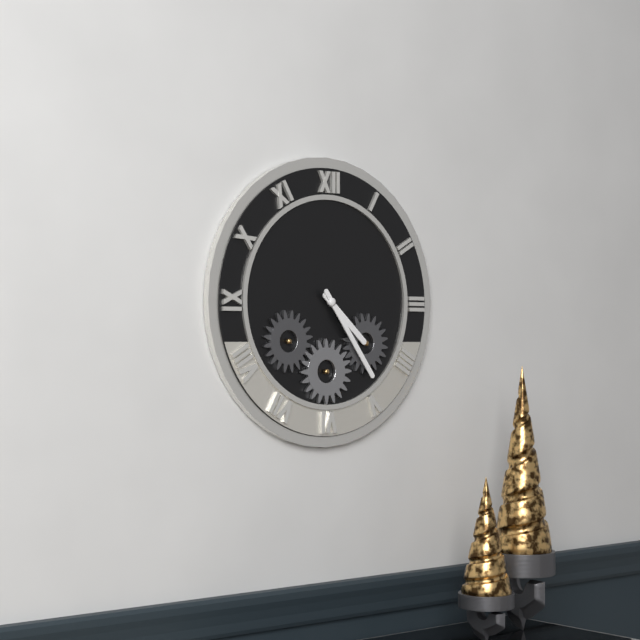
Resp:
4h24
